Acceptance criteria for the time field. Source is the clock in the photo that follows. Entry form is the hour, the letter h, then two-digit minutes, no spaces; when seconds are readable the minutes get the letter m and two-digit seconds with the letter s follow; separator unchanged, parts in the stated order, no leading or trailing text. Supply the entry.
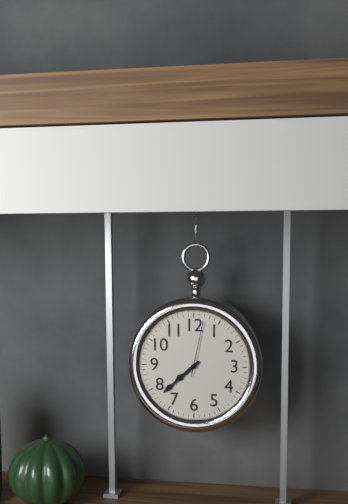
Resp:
7h38m02s
